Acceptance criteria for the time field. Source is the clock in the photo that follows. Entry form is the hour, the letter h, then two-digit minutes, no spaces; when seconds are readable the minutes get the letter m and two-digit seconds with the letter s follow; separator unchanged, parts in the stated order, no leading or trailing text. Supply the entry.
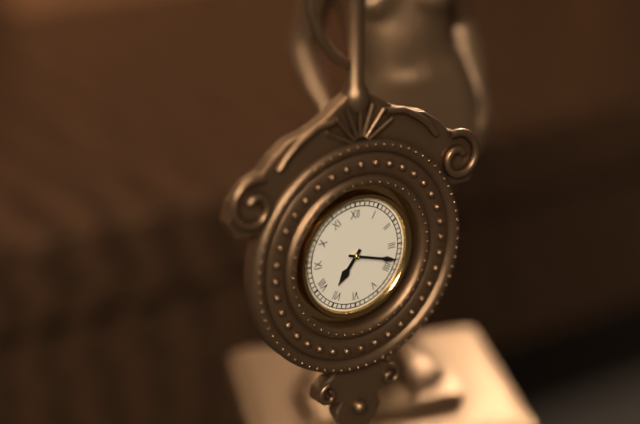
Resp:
7h18
